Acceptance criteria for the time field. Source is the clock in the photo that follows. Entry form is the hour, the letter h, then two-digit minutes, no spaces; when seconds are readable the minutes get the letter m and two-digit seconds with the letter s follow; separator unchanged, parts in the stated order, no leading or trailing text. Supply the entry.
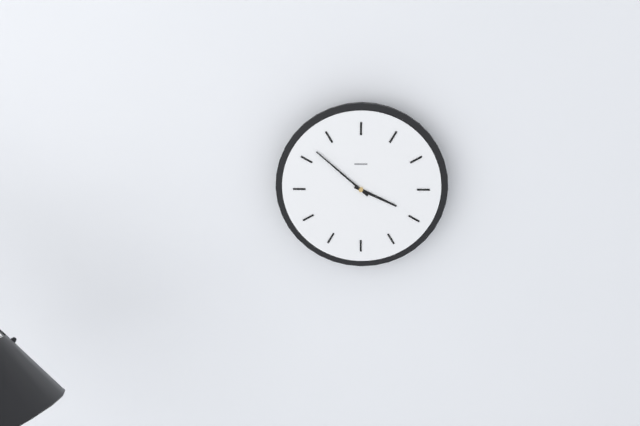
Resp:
3h52
